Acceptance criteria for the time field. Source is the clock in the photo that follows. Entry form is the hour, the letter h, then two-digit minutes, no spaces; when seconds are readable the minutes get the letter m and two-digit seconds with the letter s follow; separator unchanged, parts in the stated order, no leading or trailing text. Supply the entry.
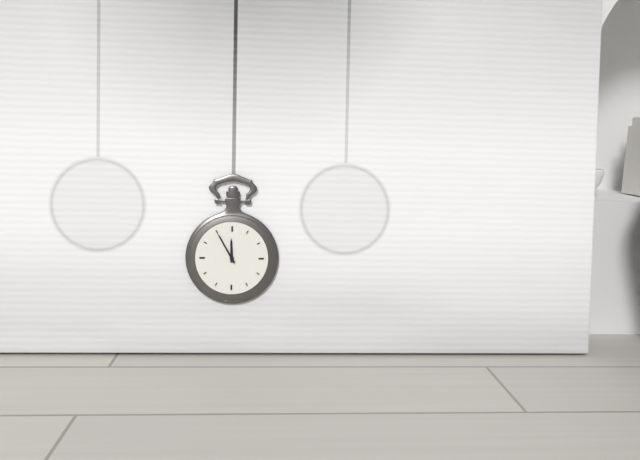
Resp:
11h55
